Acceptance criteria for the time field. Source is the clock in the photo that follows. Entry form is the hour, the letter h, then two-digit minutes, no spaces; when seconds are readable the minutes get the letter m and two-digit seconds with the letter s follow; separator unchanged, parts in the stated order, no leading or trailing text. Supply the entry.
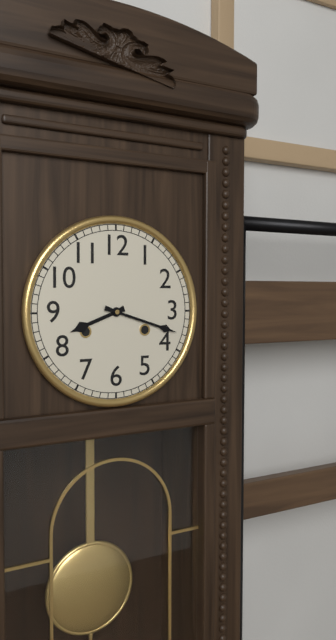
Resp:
8h18
